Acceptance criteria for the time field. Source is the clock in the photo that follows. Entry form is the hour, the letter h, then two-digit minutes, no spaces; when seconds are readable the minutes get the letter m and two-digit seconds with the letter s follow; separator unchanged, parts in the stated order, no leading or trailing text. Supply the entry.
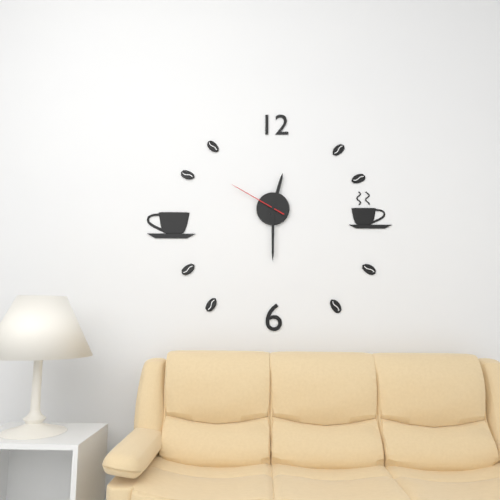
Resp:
12h30m50s
